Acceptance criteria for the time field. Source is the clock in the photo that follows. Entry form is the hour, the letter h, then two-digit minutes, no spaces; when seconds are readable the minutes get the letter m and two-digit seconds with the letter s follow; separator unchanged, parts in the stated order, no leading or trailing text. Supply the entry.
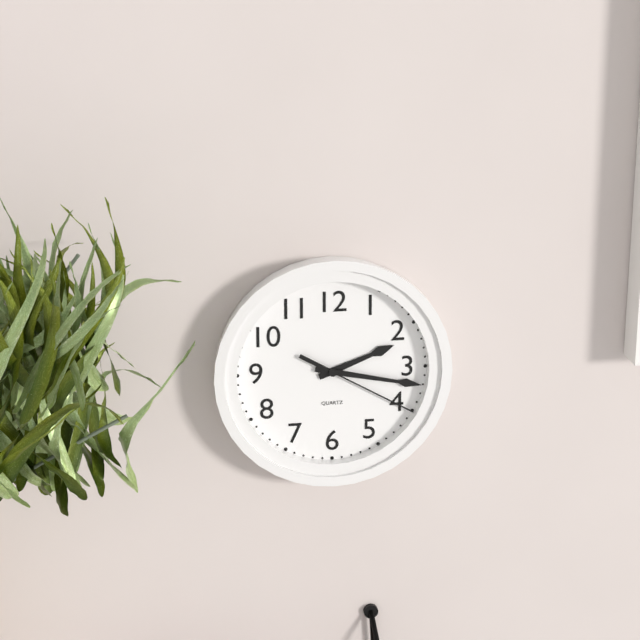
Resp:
2h17m20s
